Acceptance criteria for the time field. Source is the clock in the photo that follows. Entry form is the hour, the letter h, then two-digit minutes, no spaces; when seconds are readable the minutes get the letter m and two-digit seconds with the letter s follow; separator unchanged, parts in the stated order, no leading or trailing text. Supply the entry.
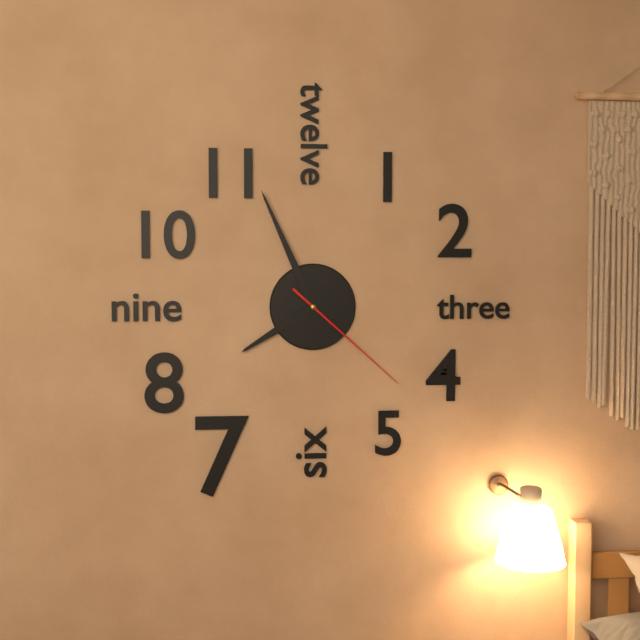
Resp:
7h56m22s
